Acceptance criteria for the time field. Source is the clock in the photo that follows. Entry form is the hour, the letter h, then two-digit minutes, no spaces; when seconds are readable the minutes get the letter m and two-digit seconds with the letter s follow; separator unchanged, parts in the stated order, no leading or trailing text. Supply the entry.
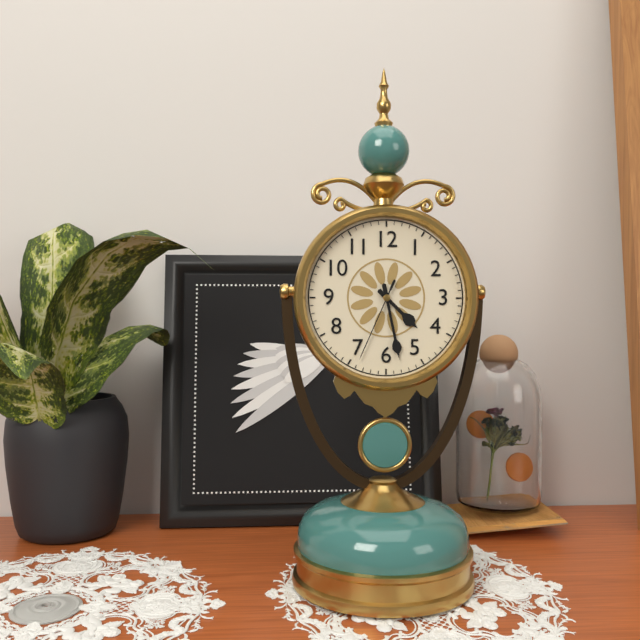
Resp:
4h28m34s
